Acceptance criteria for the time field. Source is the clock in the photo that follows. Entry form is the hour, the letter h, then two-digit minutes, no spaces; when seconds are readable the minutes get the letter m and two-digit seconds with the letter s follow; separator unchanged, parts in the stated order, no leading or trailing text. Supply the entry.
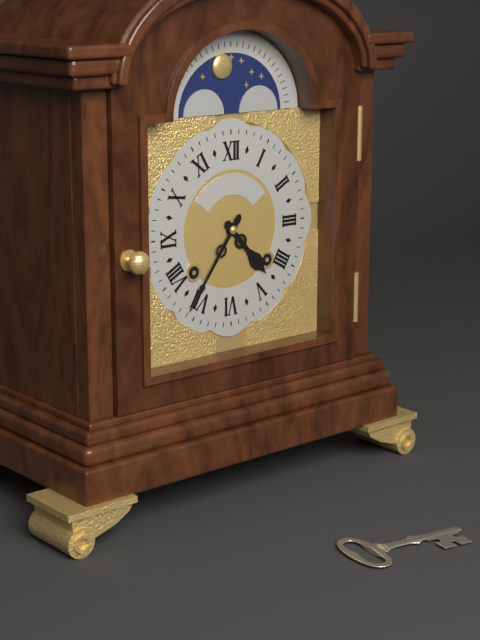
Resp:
4h36
